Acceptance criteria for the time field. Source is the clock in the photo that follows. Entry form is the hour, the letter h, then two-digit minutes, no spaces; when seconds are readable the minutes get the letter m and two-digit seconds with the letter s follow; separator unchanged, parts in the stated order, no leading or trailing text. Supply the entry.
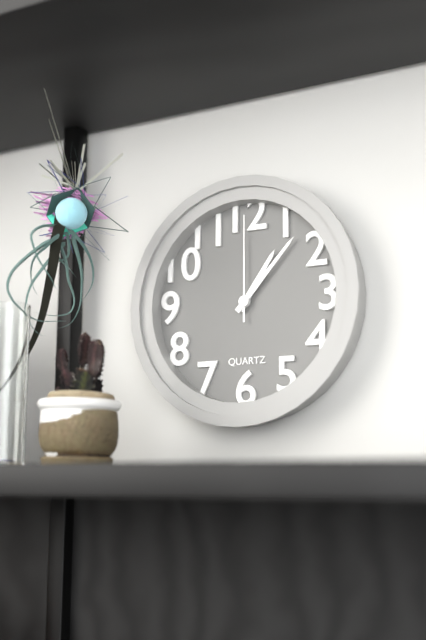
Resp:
1h07m00s
